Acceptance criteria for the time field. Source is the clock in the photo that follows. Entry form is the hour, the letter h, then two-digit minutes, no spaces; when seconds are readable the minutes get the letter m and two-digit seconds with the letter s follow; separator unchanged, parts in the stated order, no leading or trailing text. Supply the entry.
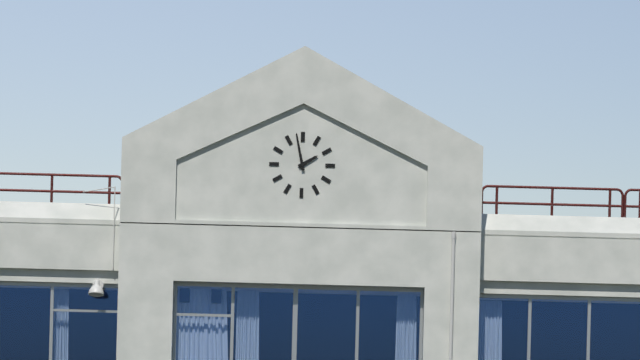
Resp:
1h58
